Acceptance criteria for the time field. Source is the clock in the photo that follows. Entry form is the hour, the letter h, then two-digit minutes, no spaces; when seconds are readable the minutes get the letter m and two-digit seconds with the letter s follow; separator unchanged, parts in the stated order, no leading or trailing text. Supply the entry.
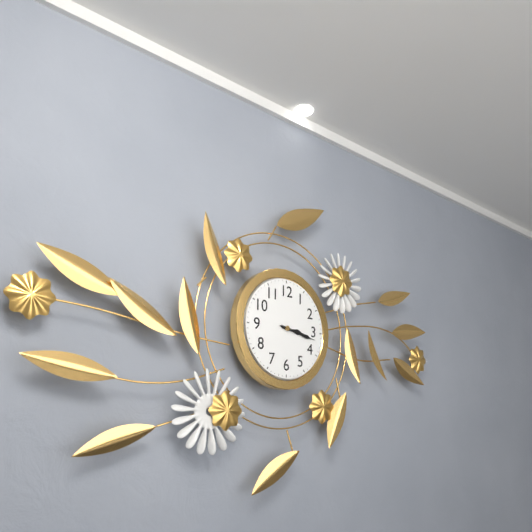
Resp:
3h17
